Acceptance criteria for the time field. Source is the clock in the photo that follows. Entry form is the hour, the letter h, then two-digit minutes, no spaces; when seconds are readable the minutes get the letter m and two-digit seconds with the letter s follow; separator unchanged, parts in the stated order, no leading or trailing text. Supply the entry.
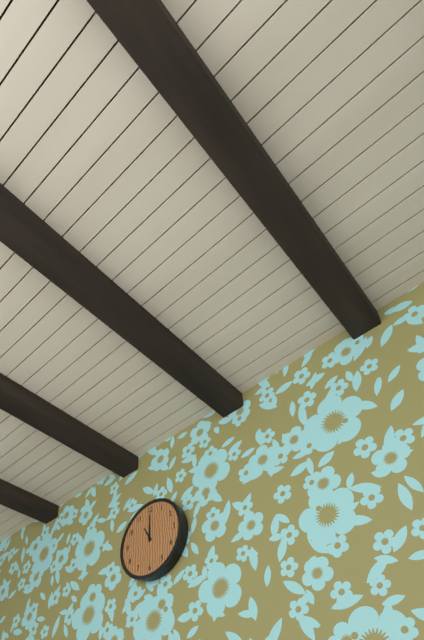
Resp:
11h00
